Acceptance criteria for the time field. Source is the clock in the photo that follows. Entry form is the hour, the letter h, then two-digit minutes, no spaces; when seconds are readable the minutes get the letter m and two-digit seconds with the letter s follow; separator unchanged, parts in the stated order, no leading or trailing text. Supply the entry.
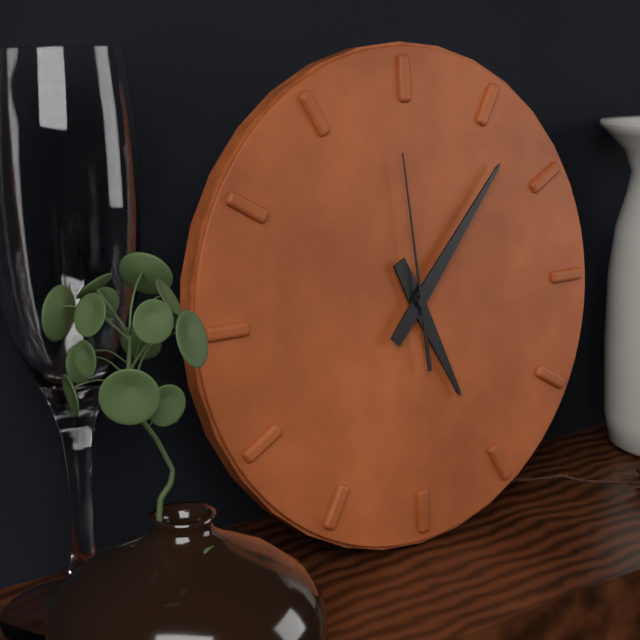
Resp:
5h07m59s
